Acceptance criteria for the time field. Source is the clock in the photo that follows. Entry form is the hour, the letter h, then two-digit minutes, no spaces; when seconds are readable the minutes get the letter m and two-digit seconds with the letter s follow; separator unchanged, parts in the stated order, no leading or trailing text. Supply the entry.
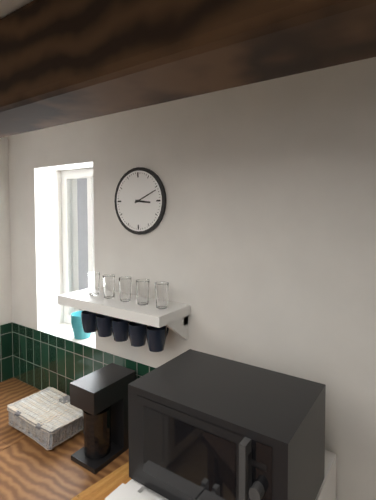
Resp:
3h11
